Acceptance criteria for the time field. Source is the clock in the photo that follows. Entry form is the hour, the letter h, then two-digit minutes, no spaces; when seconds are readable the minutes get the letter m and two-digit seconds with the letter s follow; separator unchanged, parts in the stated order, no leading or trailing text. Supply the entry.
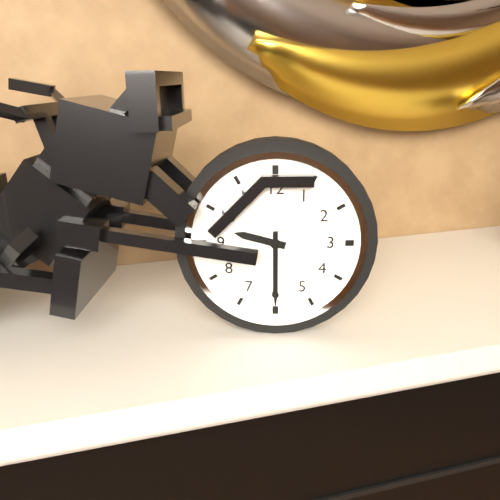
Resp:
9h30
